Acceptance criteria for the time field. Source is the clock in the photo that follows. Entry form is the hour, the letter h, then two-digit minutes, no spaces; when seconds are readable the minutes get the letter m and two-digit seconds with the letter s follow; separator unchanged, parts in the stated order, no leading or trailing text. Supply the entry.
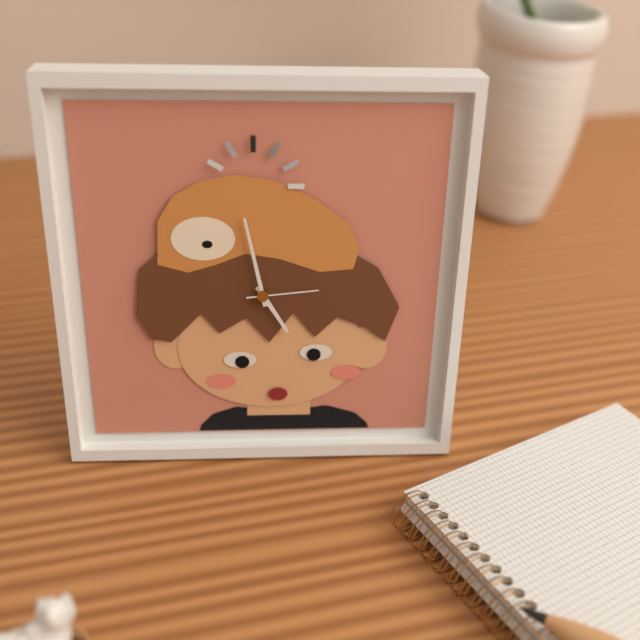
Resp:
4h58m14s
